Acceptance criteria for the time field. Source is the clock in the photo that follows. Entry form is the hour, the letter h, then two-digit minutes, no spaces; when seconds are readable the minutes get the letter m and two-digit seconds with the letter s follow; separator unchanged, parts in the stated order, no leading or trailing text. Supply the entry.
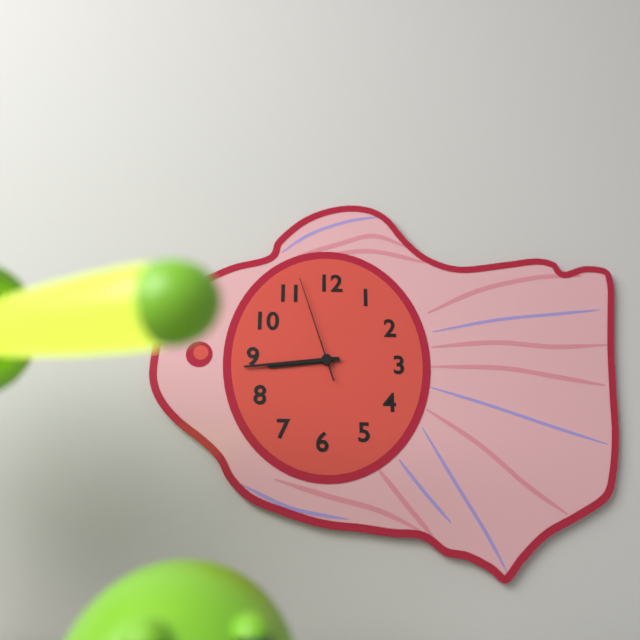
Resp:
8h44m57s
